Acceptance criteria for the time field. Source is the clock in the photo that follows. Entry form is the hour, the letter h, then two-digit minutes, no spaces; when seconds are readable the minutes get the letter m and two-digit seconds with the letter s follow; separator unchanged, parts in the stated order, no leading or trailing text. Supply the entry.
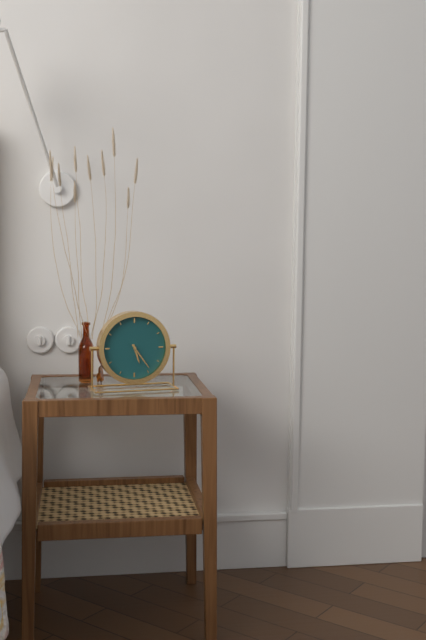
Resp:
5h24
